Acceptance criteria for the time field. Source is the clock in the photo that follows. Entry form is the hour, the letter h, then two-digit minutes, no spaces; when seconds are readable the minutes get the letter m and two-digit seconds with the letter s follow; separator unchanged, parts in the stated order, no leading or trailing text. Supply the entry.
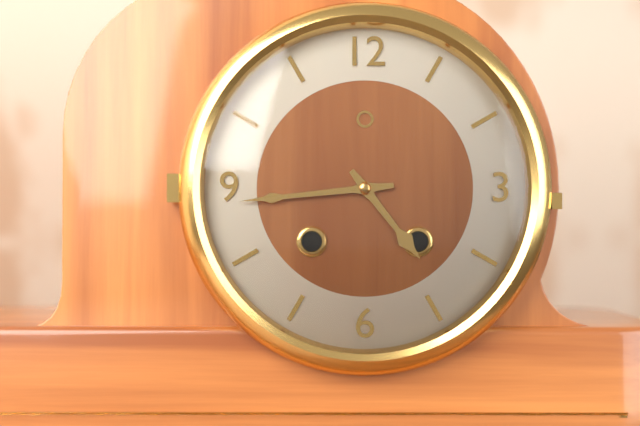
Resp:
4h44
